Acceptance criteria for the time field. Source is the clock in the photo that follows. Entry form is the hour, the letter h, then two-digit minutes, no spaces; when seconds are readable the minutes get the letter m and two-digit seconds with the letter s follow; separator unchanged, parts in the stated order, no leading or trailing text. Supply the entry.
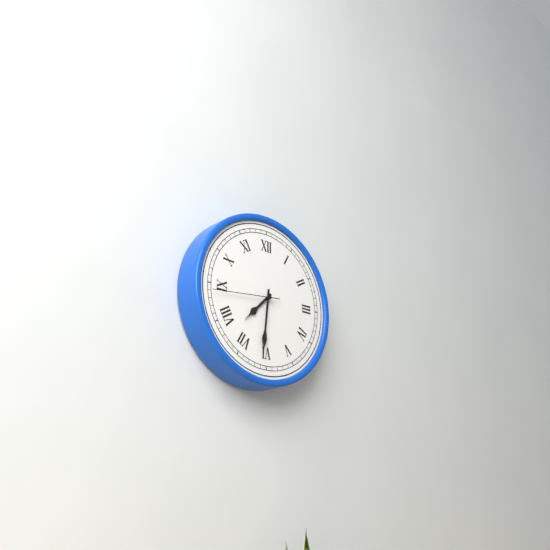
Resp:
7h31m44s
